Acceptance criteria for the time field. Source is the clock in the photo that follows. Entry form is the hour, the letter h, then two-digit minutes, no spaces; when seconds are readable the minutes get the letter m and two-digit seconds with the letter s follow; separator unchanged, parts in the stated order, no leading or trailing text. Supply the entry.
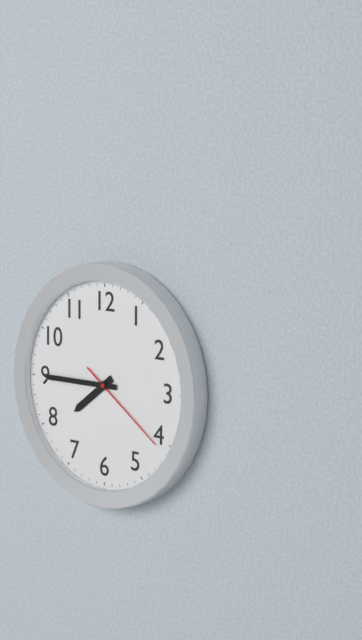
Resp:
7h45m21s
